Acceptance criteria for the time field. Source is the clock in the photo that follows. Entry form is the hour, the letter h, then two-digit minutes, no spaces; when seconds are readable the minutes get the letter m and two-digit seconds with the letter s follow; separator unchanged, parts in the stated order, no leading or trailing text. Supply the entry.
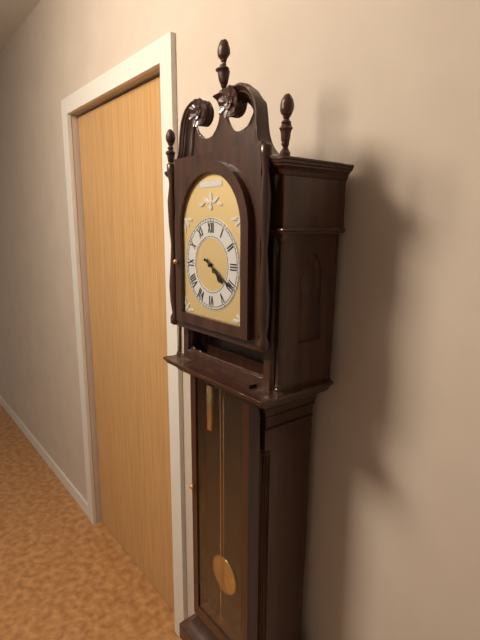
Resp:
4h20
